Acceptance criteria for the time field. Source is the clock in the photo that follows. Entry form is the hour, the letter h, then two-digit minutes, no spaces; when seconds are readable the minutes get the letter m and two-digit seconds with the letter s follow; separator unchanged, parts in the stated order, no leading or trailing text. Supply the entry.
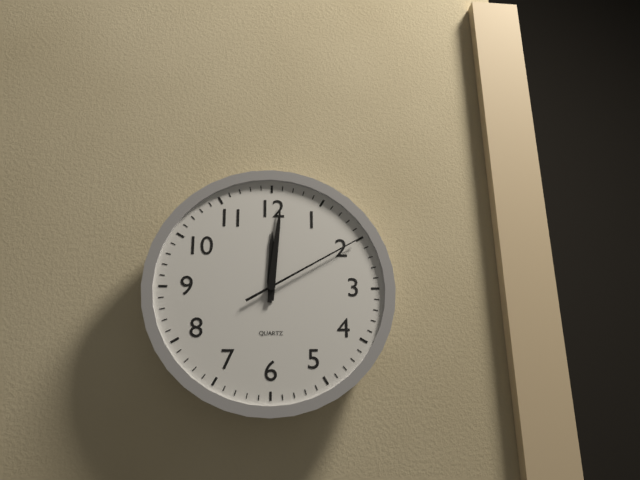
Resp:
12h01m10s
